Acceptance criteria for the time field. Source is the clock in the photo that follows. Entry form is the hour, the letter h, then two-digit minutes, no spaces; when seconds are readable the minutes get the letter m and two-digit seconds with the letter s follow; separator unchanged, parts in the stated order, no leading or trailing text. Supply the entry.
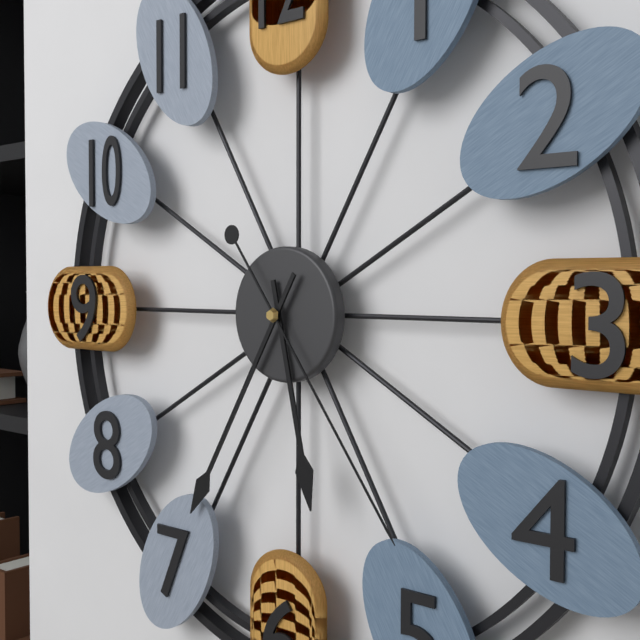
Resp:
5h35m24s
